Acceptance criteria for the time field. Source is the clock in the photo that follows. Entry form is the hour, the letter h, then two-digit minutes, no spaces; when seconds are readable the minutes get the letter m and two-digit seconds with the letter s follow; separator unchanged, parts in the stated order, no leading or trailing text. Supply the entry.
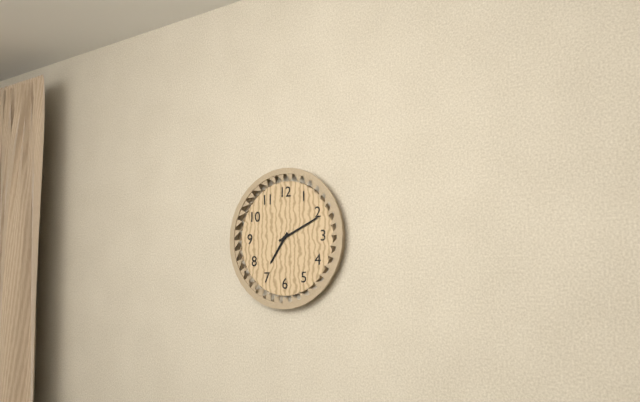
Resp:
7h11
